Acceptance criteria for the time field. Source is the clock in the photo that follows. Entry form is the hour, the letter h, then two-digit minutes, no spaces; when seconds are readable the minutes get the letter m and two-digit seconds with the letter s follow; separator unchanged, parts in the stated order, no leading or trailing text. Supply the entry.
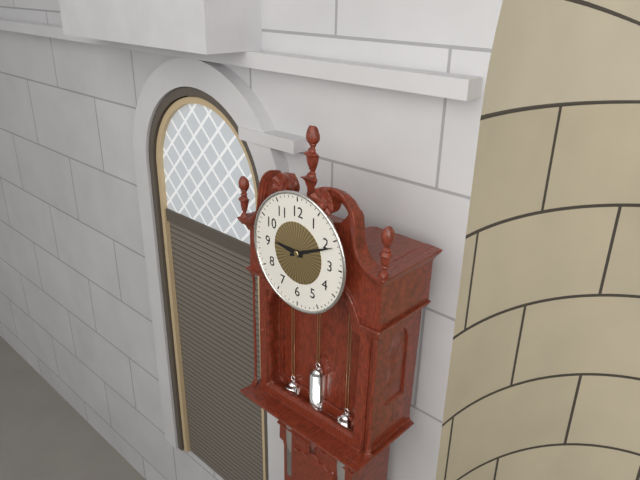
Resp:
9h11
